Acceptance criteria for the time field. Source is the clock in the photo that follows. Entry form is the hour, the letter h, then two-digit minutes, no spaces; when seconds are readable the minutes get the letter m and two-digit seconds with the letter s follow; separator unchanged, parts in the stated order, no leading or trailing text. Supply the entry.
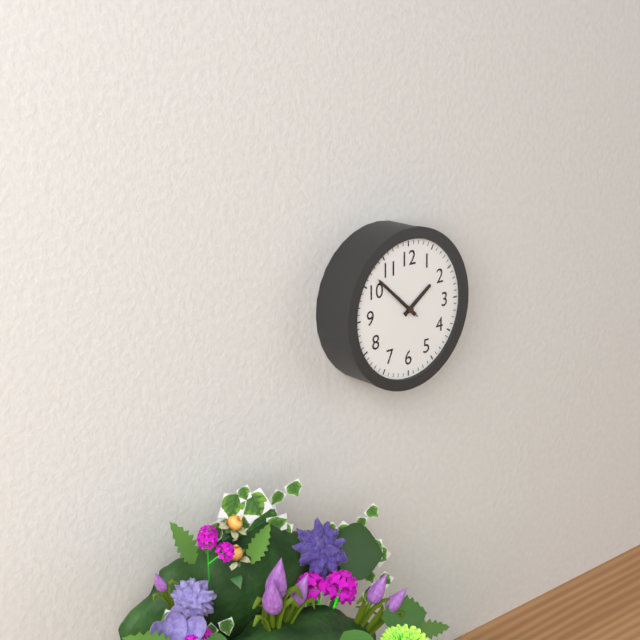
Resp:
1h52m52s
